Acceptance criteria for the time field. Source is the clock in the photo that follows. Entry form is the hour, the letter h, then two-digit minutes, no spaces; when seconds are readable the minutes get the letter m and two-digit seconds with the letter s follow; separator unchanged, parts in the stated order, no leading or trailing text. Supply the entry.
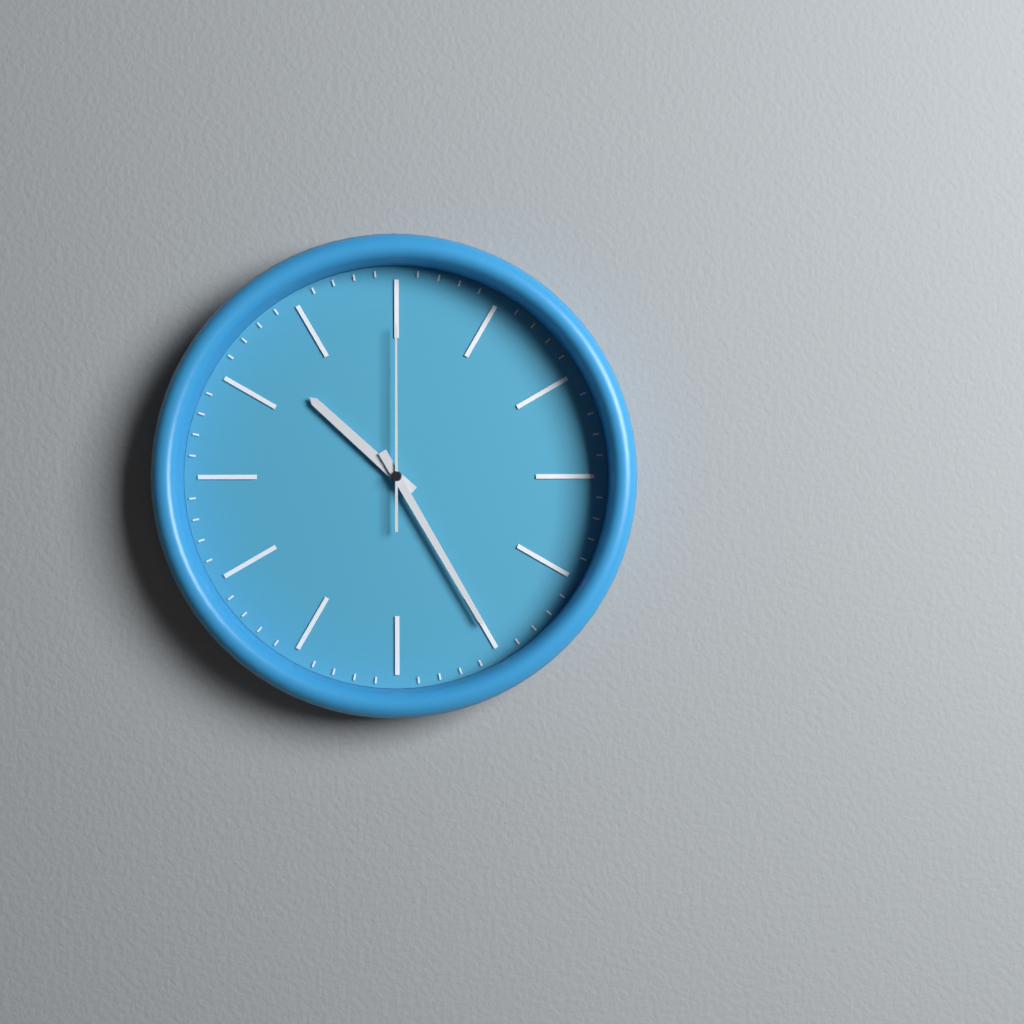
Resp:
10h25m00s
